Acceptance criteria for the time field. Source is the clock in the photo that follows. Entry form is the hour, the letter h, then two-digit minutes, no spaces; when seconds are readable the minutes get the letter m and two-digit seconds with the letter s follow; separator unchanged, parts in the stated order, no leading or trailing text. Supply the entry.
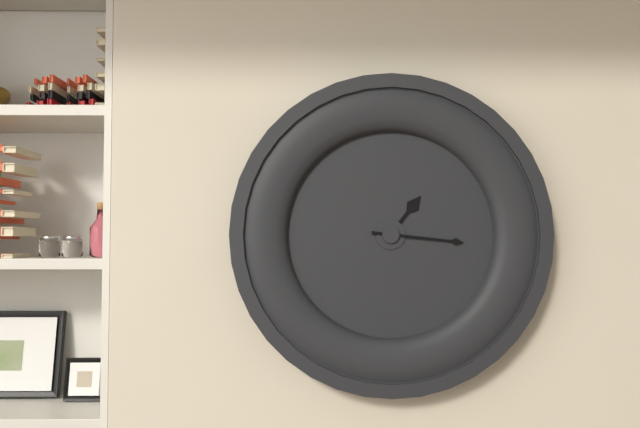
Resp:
1h16
